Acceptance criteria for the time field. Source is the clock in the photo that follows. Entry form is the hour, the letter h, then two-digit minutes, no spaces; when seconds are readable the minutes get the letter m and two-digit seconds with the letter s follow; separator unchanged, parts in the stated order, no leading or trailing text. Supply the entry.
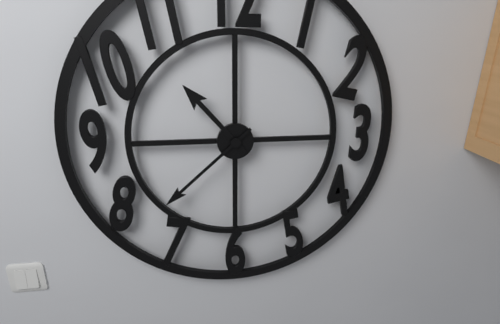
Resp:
10h38
